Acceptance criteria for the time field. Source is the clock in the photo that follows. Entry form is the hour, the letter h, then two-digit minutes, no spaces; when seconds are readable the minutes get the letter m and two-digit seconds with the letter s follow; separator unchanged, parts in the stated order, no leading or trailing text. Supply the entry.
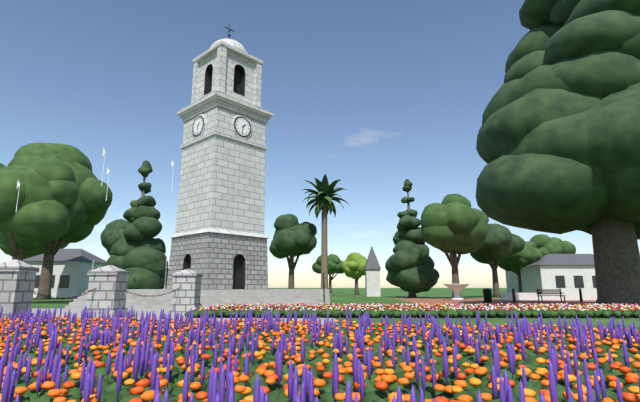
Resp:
1h31
